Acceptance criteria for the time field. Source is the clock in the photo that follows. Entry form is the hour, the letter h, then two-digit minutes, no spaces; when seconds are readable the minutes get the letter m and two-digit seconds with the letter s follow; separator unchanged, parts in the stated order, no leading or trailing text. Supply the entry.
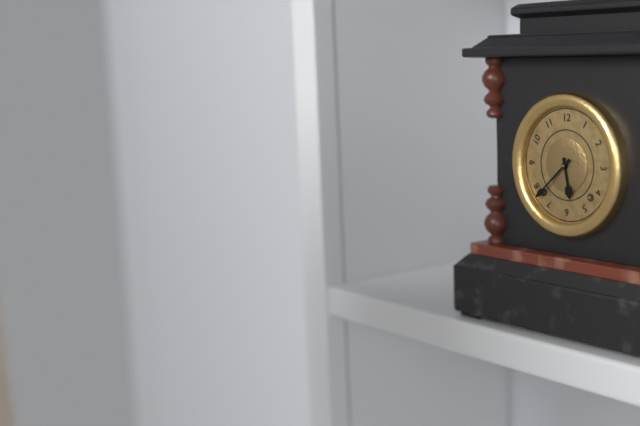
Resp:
5h38
